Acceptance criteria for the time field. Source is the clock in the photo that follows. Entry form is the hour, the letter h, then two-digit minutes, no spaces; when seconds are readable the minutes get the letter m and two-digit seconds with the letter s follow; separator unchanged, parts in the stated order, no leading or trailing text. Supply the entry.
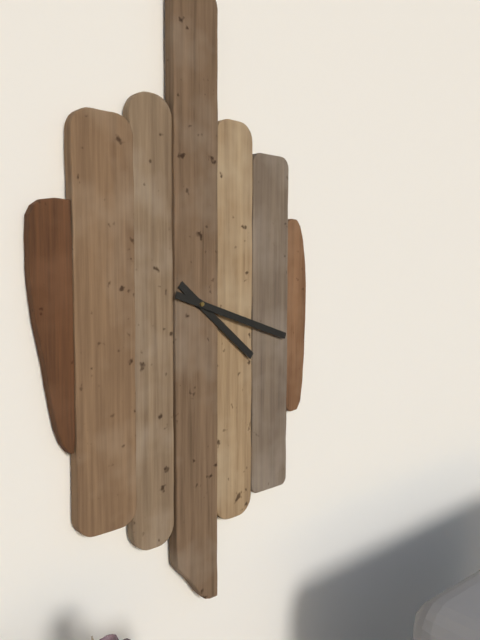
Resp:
4h18
